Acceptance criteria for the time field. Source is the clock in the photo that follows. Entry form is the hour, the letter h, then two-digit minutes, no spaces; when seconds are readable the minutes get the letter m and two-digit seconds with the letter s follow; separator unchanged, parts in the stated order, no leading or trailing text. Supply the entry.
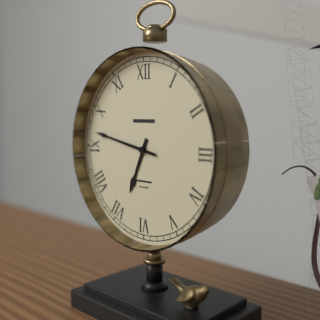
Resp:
6h47
